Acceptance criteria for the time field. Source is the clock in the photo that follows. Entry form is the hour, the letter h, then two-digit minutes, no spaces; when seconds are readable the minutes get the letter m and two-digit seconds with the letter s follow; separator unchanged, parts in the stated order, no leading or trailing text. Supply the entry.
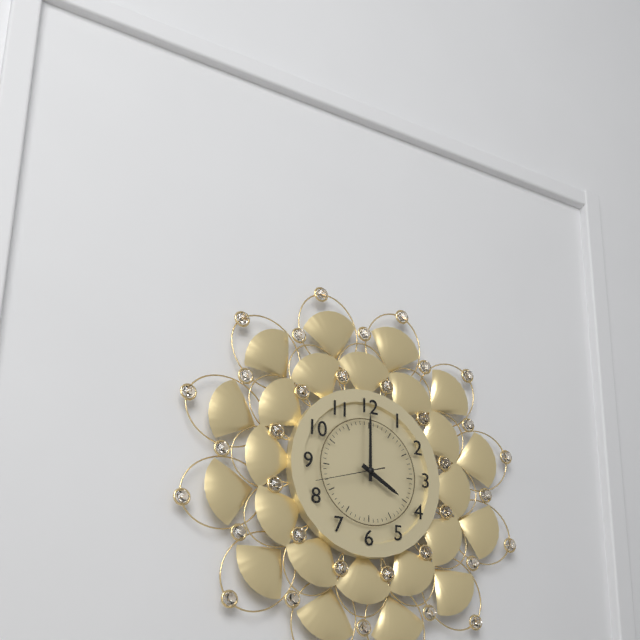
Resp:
4h00m42s
